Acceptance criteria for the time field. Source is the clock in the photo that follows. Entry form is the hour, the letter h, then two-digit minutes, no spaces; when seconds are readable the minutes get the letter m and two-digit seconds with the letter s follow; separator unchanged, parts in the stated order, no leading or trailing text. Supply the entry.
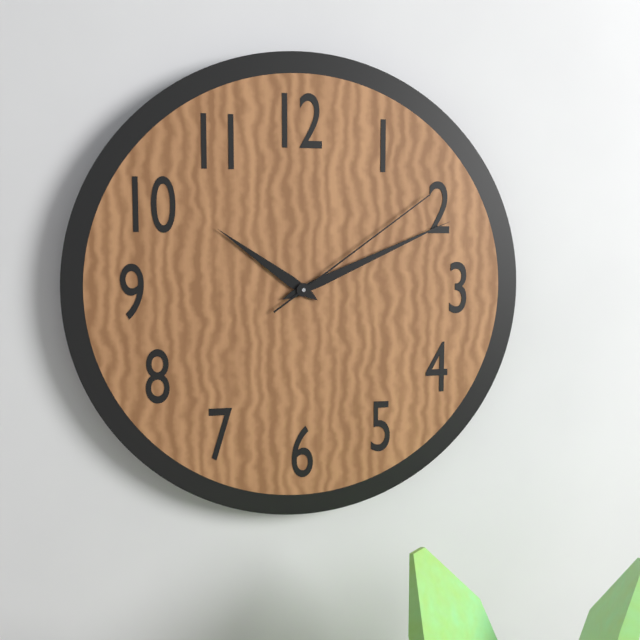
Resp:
10h11m09s
